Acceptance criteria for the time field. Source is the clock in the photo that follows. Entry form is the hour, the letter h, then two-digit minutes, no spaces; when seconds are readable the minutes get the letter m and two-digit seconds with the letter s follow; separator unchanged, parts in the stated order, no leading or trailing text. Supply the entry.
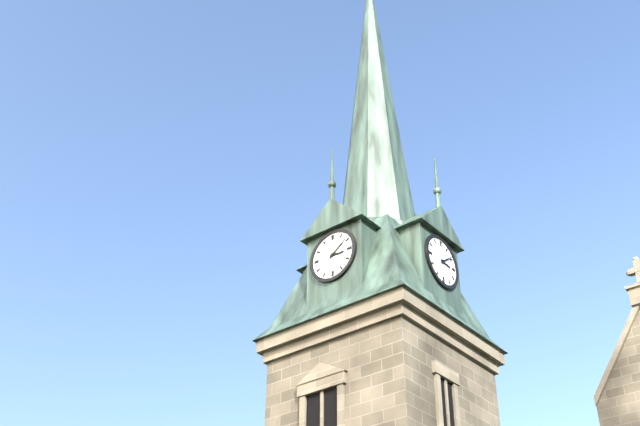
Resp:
3h09
